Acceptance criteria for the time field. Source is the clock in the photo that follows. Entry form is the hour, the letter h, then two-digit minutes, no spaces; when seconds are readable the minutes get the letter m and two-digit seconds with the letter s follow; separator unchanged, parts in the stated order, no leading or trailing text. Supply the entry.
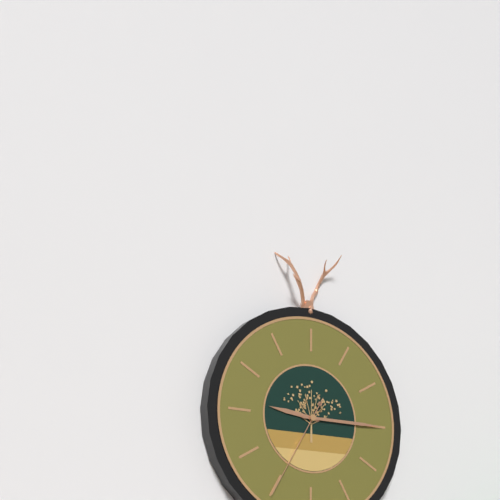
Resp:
9h15m35s
